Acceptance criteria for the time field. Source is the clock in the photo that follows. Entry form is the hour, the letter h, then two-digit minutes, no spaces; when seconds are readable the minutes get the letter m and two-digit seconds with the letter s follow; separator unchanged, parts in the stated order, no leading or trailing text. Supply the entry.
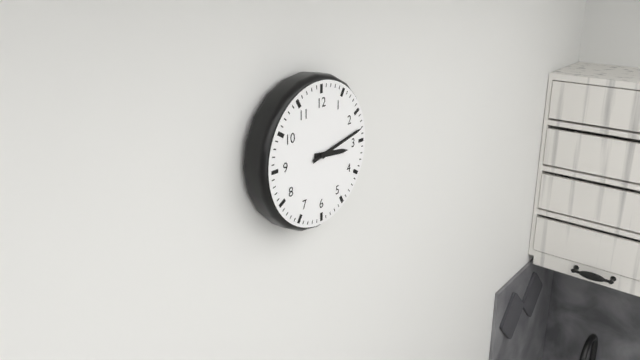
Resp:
3h13
